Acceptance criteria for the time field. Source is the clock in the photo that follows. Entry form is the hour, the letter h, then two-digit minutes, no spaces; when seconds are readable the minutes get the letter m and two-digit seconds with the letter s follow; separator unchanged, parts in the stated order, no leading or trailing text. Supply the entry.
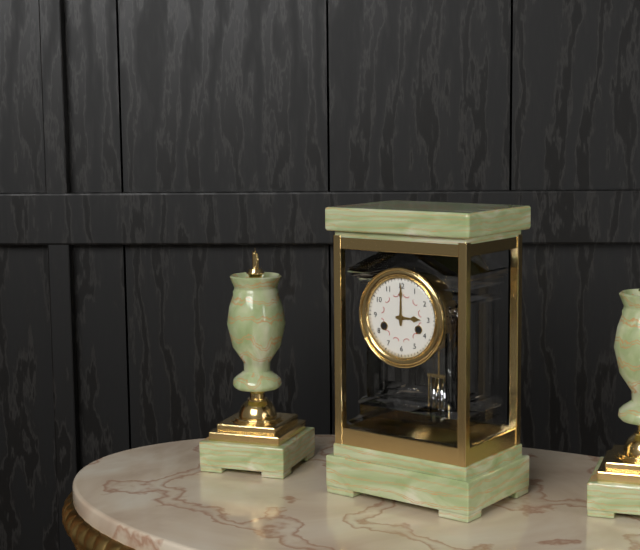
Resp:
3h00
